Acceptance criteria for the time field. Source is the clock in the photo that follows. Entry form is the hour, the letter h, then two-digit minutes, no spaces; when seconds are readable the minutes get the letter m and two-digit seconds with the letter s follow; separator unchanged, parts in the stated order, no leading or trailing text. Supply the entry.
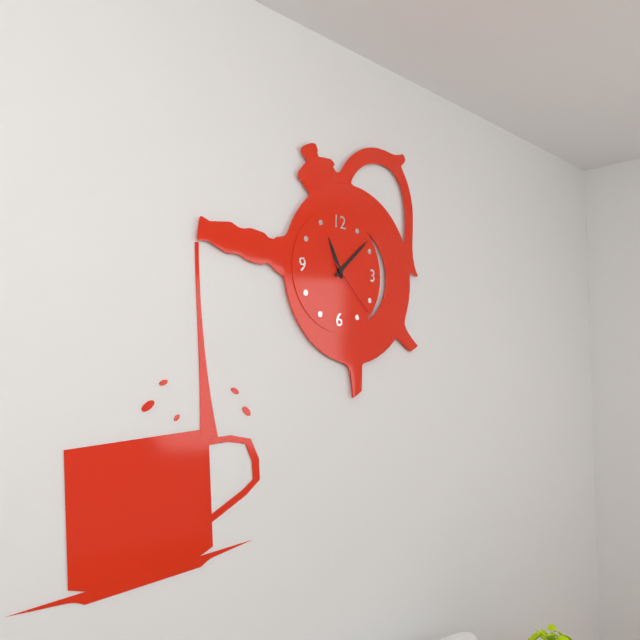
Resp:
11h08m22s
